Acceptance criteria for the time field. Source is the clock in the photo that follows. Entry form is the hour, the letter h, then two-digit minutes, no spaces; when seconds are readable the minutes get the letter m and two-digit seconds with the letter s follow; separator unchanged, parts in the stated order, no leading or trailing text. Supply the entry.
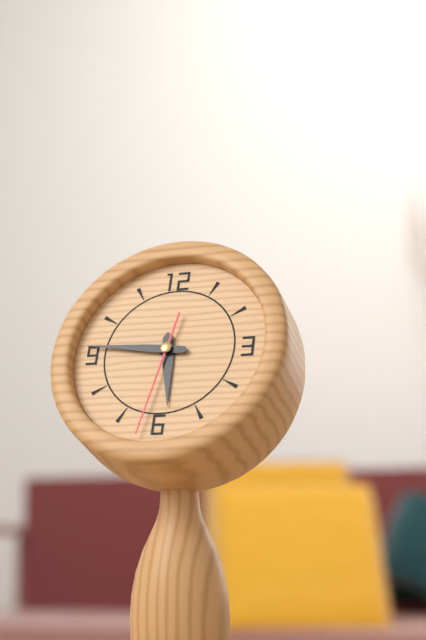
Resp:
5h46m32s
